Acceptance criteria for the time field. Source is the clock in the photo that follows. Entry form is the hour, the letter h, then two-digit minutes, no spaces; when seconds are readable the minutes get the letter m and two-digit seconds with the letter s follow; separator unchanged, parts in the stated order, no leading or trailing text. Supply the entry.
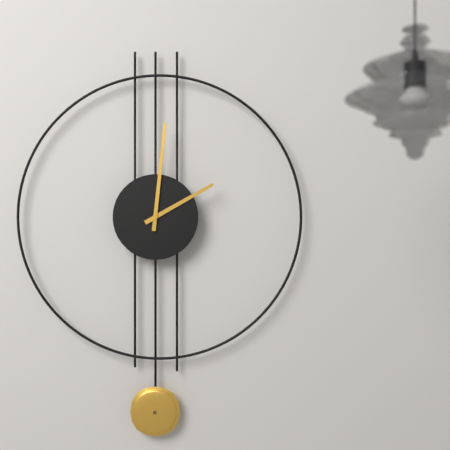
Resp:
2h01
